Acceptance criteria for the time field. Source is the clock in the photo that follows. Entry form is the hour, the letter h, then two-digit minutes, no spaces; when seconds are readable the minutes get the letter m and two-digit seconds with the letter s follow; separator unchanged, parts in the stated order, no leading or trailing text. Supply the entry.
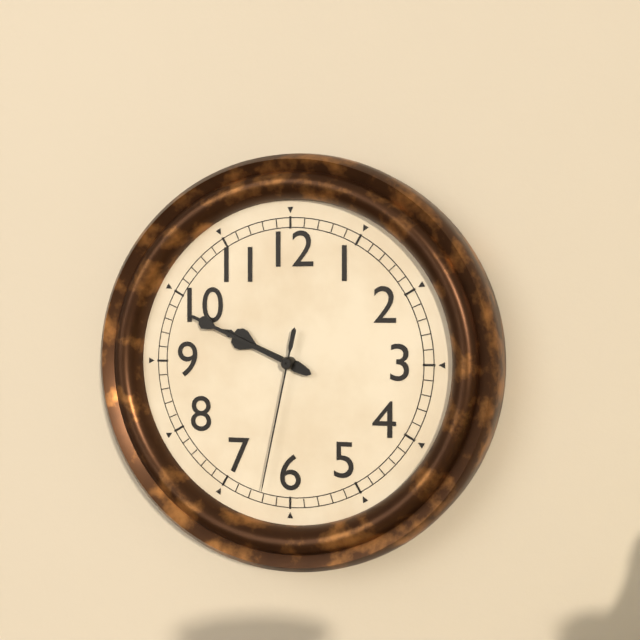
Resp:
9h49m32s
